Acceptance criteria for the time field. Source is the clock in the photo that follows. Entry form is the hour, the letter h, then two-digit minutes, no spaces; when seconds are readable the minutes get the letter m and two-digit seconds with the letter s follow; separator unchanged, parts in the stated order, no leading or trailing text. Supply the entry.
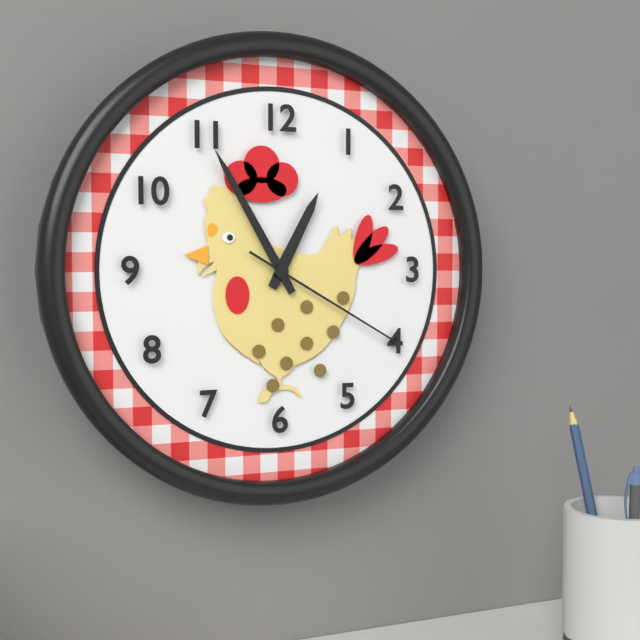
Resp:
12h55m20s
